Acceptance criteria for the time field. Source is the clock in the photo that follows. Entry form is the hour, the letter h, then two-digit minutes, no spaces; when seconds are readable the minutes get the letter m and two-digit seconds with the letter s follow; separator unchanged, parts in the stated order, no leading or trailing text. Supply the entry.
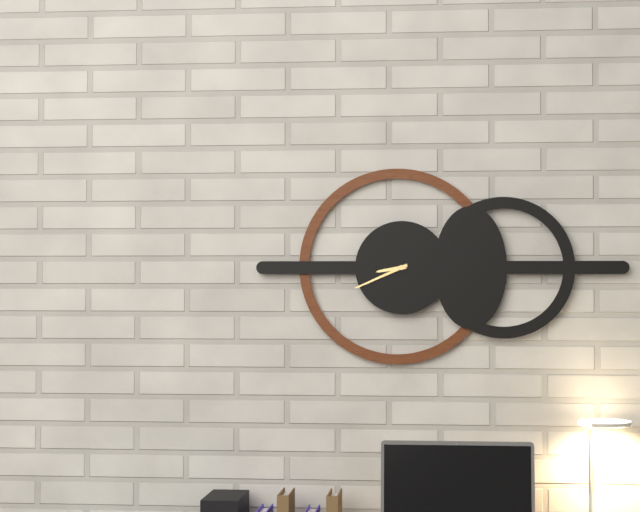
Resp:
8h41
